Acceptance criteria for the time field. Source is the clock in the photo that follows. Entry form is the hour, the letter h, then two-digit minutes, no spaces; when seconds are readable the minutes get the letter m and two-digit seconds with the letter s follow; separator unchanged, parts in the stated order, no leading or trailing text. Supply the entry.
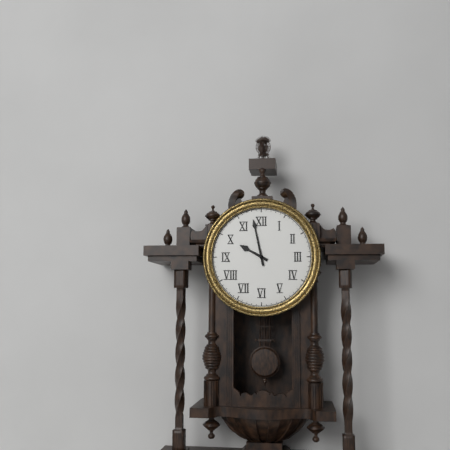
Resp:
9h58
